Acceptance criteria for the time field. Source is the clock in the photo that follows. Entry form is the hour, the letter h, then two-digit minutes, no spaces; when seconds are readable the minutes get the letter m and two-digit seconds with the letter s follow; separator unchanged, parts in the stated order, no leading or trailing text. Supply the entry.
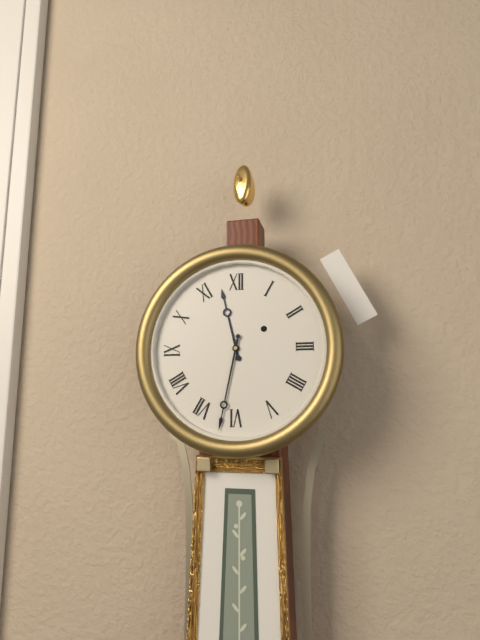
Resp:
11h32
